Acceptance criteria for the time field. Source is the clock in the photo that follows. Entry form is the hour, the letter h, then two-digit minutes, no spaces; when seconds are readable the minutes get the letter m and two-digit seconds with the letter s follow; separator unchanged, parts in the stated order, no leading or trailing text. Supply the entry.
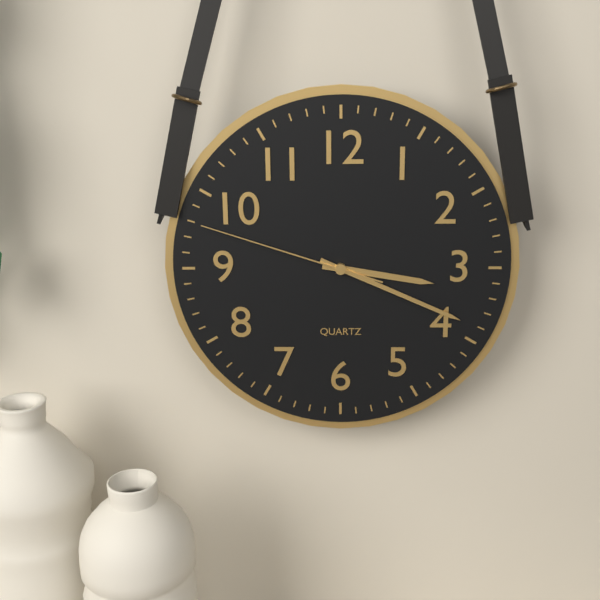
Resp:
3h19m48s
